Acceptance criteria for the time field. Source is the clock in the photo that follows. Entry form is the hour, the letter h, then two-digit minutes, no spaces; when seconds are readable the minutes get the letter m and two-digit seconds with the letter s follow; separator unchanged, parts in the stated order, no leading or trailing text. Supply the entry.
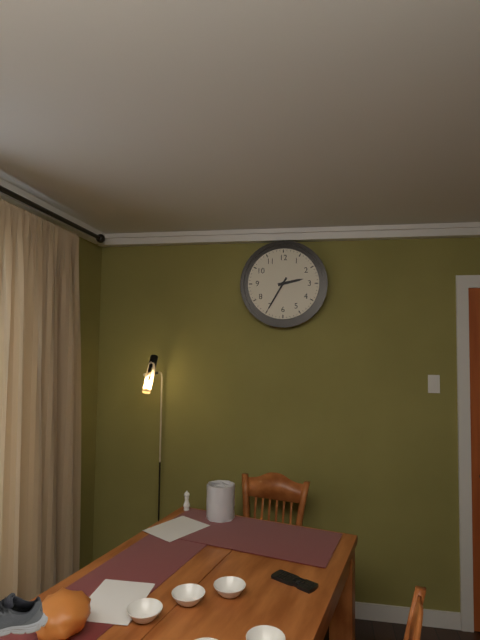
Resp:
2h35
